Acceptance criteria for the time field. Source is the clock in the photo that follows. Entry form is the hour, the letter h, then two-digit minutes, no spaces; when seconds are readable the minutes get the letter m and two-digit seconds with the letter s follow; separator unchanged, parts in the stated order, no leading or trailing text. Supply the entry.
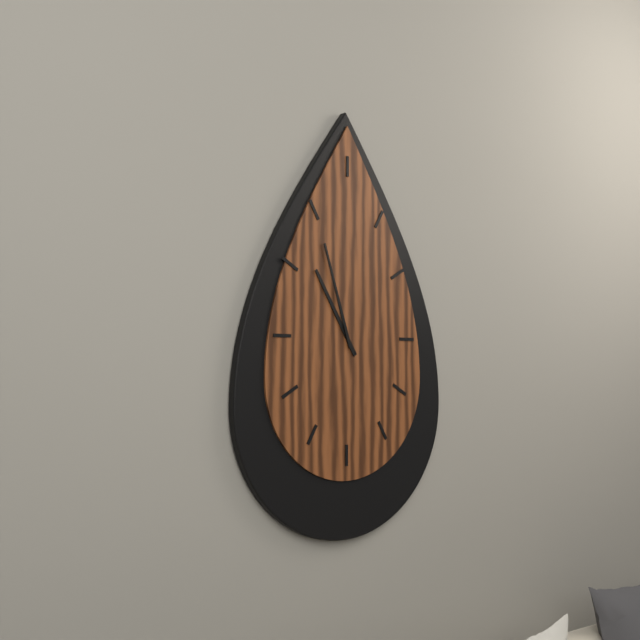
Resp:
10h57
